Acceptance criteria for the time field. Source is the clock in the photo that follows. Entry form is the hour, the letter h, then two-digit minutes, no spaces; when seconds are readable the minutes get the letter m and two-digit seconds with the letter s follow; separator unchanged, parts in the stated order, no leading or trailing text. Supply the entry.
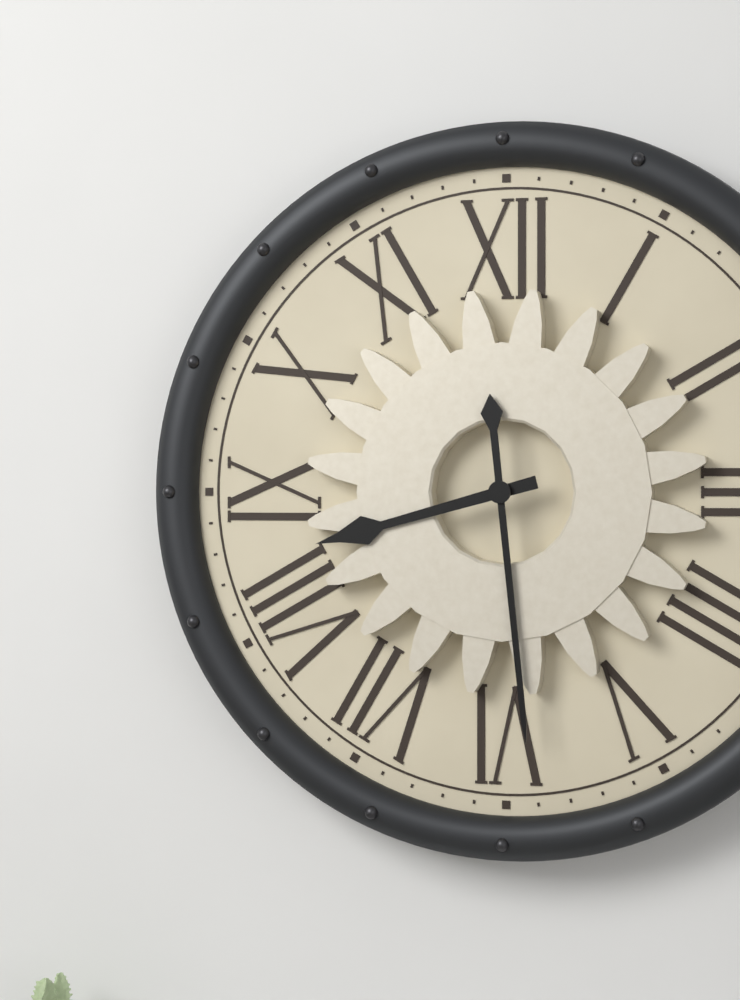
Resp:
8h29
